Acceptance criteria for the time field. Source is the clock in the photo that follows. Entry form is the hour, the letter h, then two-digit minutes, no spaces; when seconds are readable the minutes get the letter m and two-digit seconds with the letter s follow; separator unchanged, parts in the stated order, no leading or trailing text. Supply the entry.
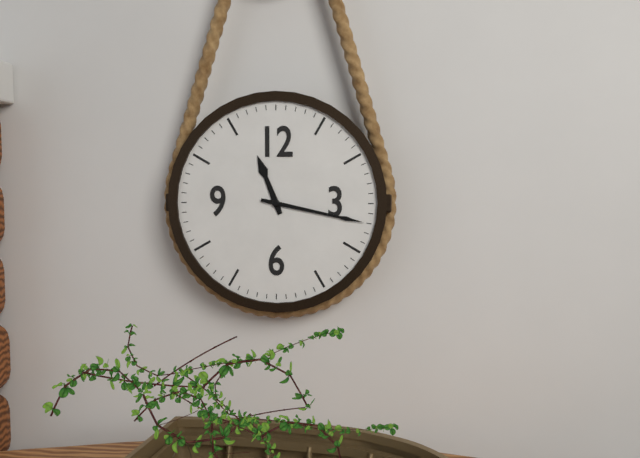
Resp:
11h17
